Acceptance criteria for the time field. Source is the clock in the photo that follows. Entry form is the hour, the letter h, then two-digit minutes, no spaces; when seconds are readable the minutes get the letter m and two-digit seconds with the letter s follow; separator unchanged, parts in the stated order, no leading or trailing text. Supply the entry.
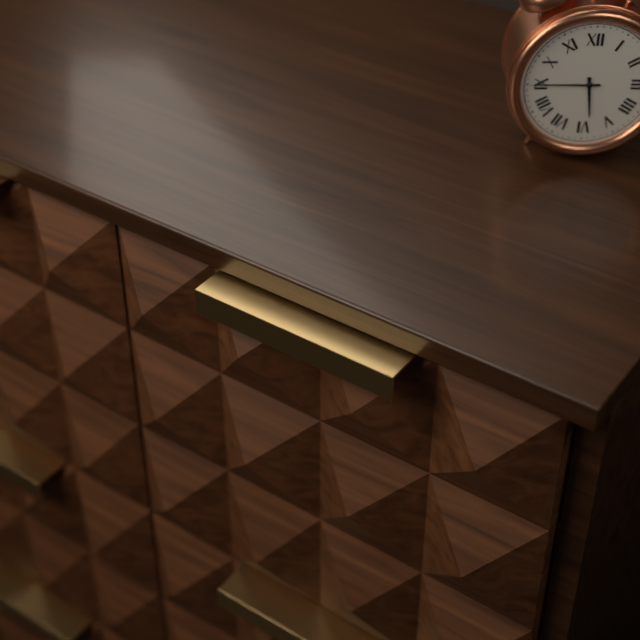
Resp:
5h45
